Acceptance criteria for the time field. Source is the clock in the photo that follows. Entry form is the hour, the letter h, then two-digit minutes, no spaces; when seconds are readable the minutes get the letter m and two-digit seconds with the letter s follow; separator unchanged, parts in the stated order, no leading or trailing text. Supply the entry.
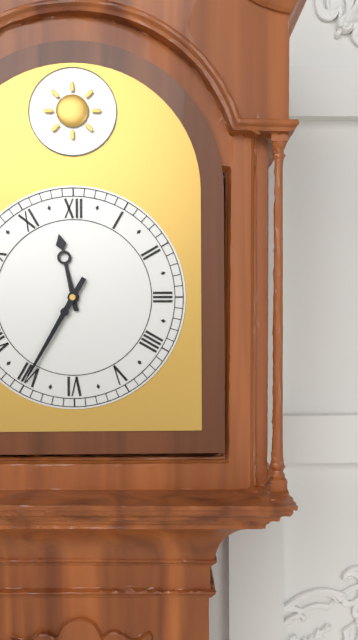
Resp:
11h35
